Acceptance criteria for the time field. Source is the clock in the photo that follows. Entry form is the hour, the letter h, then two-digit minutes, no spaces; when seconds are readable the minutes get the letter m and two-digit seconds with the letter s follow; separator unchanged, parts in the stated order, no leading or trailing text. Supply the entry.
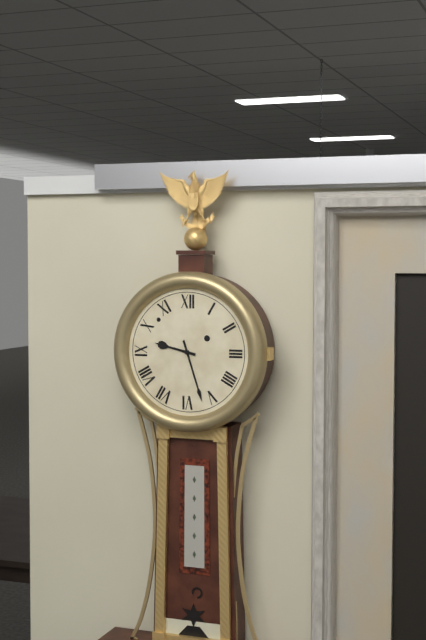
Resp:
9h27
